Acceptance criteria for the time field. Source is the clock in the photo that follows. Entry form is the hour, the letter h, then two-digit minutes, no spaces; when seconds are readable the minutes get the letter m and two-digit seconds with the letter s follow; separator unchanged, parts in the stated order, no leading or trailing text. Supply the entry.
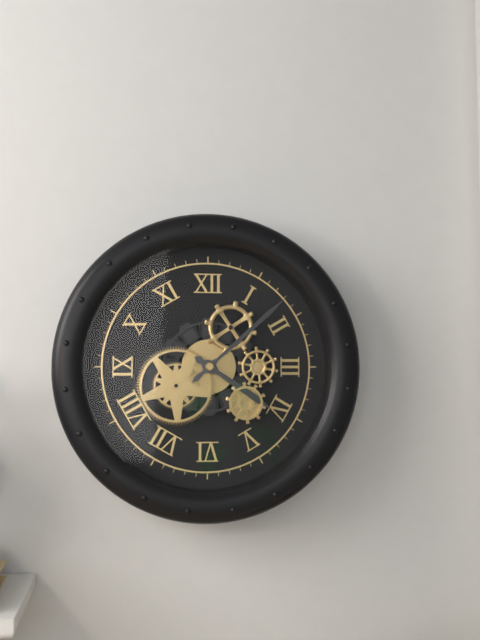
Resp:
4h08
